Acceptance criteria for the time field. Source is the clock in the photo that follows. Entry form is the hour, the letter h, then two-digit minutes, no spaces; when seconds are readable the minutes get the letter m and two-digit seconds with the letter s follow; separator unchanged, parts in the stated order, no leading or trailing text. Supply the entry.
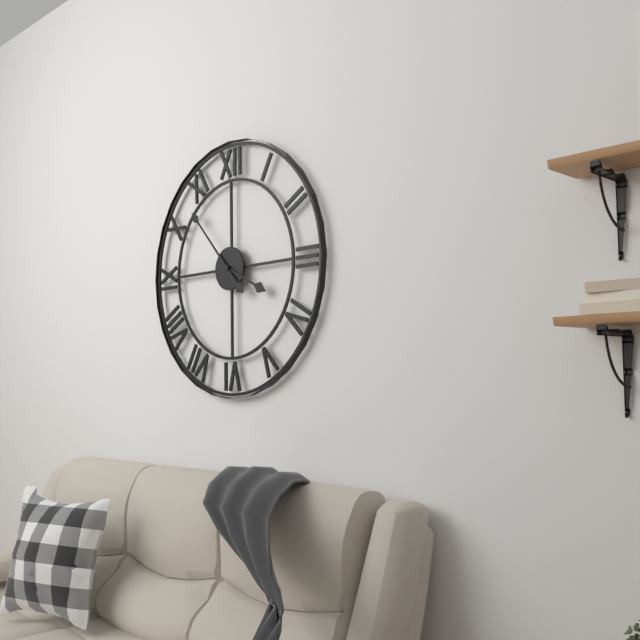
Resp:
3h53
